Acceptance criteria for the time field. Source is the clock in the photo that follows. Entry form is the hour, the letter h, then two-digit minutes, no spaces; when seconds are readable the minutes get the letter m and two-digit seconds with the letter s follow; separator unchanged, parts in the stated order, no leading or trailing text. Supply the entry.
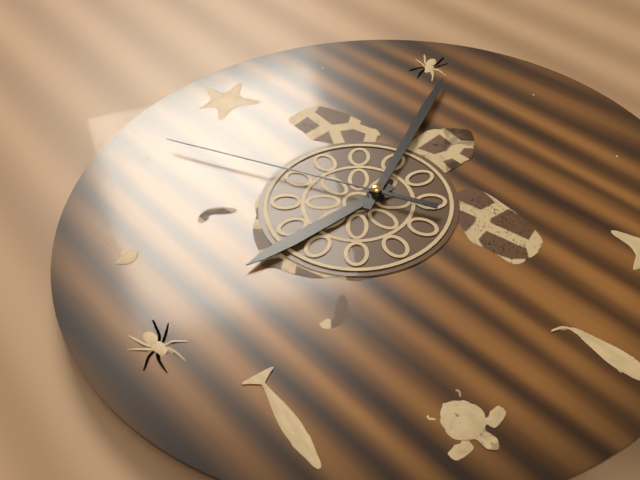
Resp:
9h11m56s
